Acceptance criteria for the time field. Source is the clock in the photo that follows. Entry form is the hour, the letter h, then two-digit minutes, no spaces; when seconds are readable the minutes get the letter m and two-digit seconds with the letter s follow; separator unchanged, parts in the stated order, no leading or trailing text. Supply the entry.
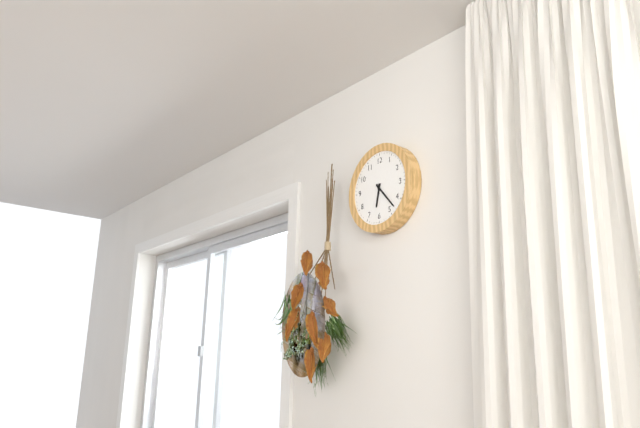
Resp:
6h23
